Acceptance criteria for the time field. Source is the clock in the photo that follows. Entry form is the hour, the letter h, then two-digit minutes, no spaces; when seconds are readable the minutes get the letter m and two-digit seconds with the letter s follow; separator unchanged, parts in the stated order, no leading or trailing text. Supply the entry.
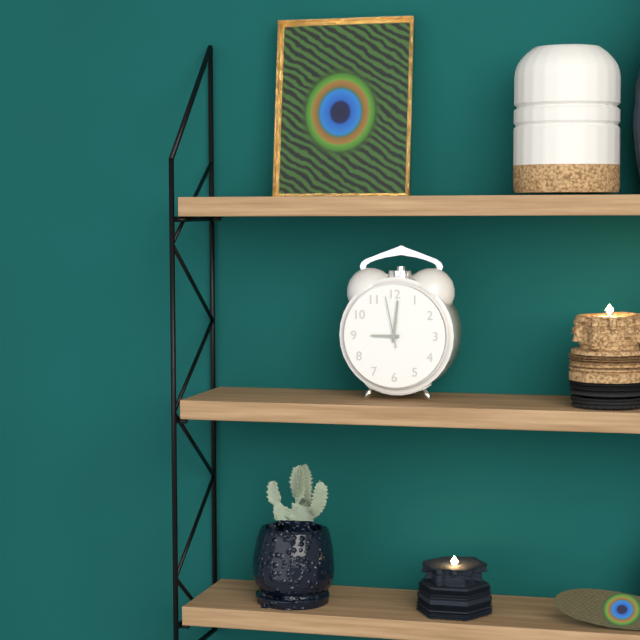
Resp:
9h01m58s
